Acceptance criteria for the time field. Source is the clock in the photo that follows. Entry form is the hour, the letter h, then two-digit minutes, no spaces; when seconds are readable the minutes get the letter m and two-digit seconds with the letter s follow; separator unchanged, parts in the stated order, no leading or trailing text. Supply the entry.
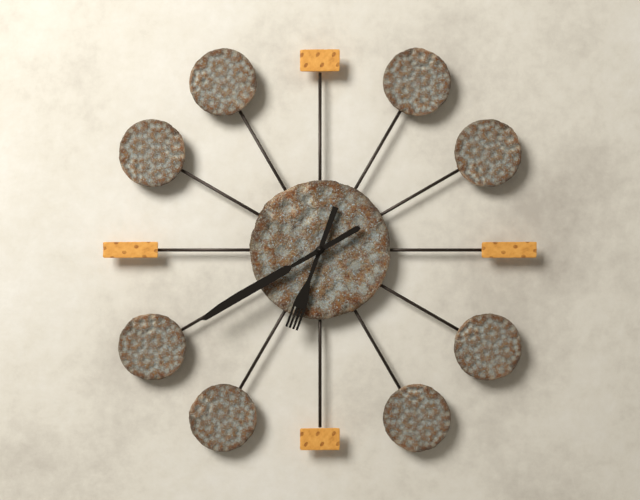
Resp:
6h40
